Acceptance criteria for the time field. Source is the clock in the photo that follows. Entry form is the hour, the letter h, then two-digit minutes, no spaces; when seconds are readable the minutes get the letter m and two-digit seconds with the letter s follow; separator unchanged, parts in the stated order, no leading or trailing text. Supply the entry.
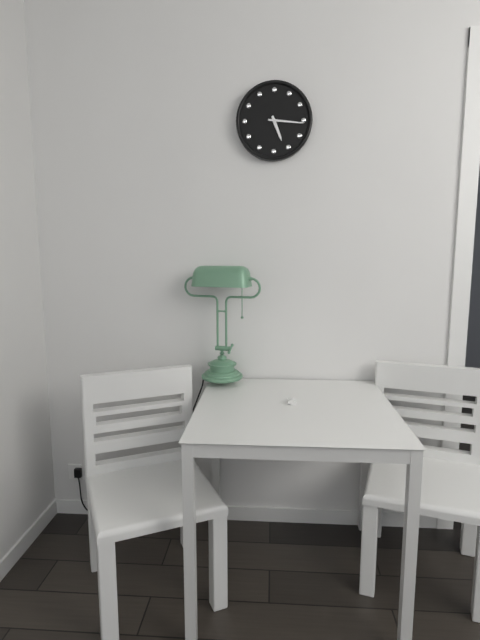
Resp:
5h16
